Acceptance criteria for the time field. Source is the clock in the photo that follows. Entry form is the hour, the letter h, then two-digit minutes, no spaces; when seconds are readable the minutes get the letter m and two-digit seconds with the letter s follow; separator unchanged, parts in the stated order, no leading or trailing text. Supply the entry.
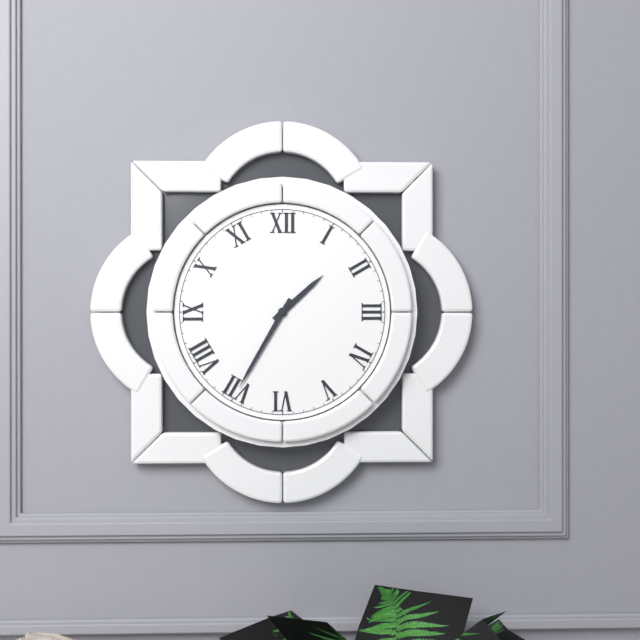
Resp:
1h35
